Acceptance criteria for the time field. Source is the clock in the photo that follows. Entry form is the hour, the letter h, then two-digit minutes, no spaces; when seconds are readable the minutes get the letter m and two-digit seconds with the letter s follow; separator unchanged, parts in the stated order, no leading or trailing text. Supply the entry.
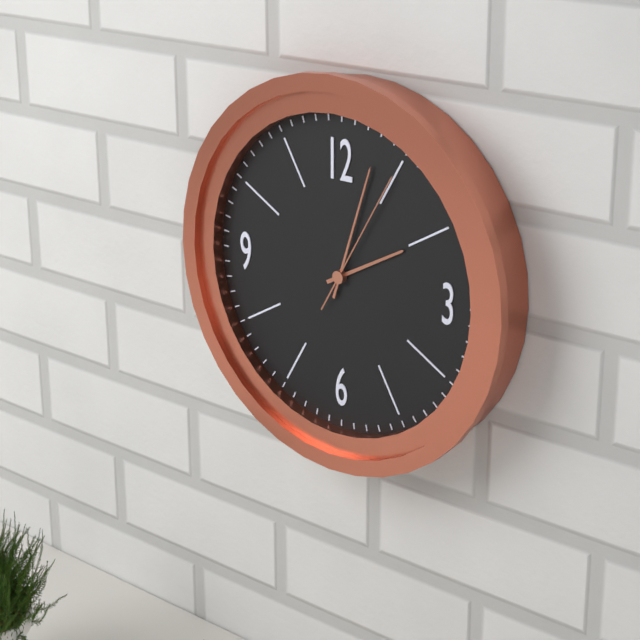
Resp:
2h03m05s
